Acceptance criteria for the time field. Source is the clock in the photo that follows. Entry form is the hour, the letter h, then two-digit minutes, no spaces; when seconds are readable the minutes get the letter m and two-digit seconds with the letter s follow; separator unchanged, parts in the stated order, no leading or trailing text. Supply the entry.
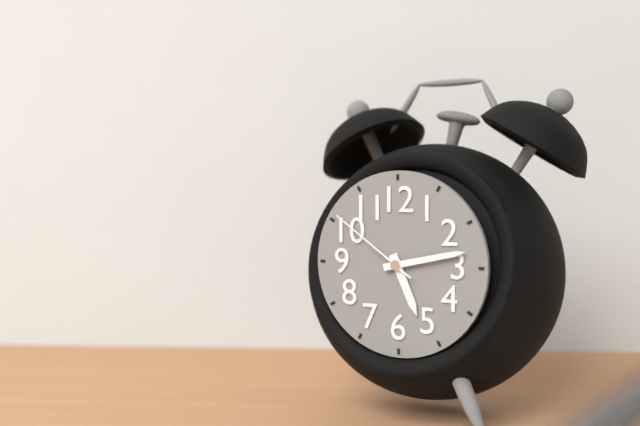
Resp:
5h13m51s
